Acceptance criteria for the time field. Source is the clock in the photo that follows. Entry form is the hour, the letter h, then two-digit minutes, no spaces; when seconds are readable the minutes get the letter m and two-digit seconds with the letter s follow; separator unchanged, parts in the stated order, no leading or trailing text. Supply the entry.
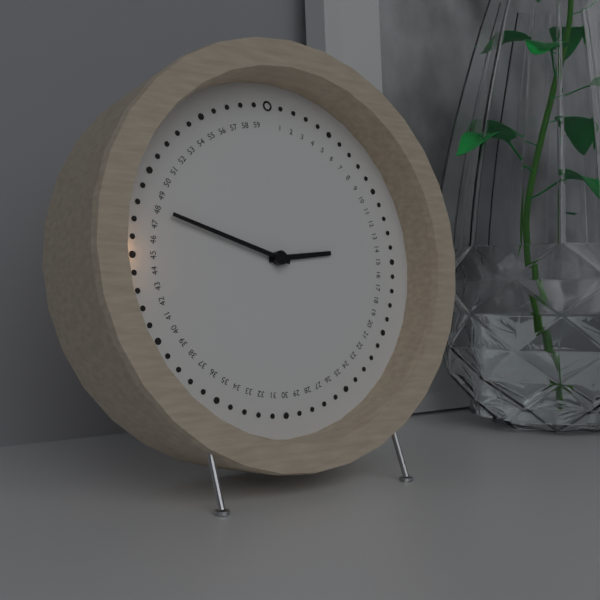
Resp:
2h48
